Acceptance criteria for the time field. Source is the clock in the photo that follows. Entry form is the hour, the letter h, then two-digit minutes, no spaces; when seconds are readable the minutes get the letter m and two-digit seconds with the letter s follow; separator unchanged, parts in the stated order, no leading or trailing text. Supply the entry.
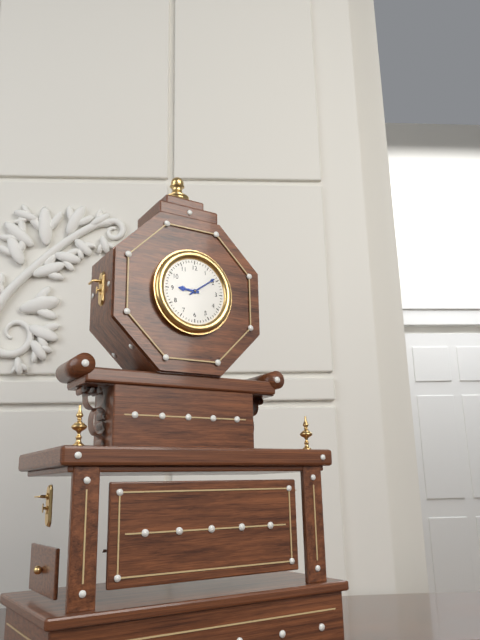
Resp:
9h09
